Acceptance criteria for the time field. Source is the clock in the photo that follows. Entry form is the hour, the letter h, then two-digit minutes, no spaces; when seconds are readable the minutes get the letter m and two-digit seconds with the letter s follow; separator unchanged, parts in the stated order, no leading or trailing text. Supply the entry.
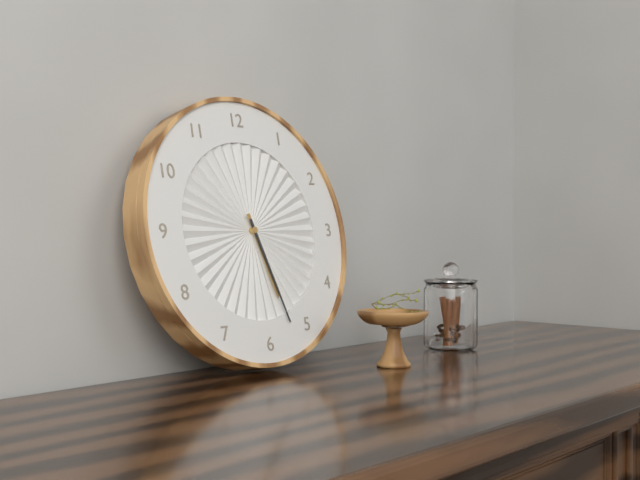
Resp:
5h27
